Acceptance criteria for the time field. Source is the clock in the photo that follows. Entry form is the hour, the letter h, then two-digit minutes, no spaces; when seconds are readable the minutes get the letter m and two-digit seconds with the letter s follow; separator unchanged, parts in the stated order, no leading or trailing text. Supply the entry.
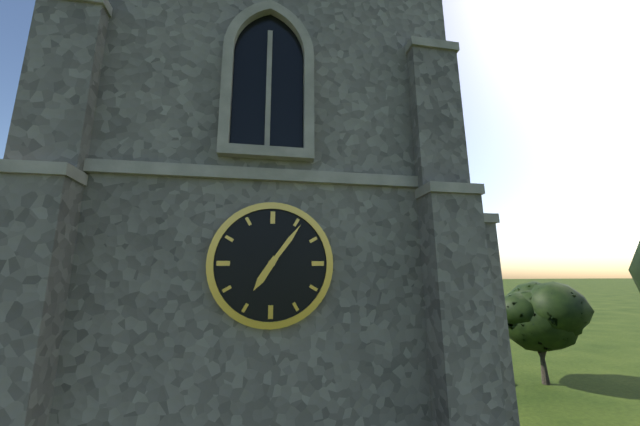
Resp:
7h06
